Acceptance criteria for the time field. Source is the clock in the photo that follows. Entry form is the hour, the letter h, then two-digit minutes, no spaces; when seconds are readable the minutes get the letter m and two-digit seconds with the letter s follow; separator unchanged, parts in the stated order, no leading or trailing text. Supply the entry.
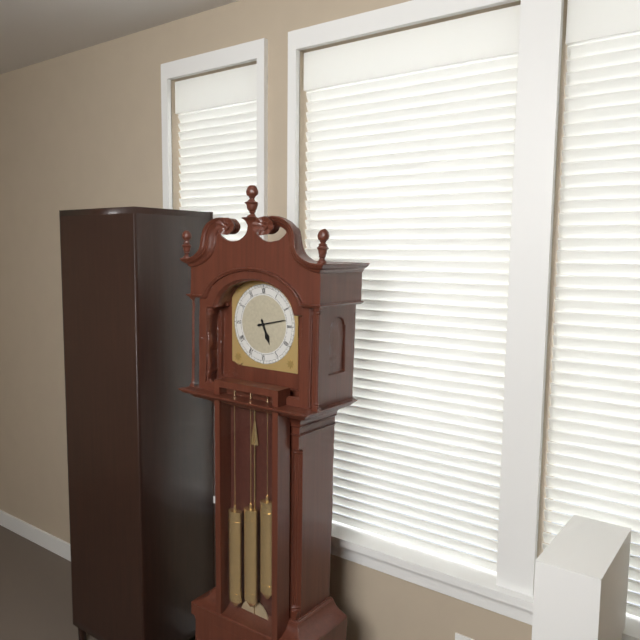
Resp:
5h13
